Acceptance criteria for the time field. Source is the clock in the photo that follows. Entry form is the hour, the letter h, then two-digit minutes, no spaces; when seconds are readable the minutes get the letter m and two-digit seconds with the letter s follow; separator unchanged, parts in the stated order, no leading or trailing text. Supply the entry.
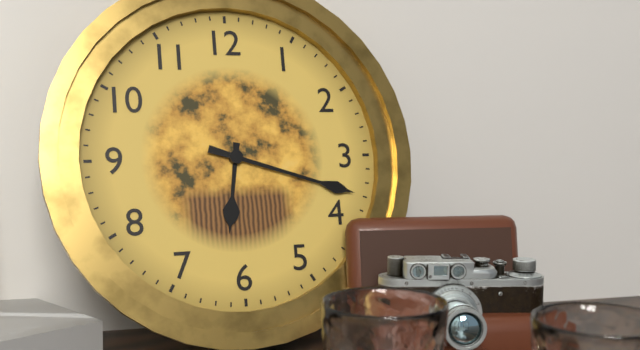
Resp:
6h18
